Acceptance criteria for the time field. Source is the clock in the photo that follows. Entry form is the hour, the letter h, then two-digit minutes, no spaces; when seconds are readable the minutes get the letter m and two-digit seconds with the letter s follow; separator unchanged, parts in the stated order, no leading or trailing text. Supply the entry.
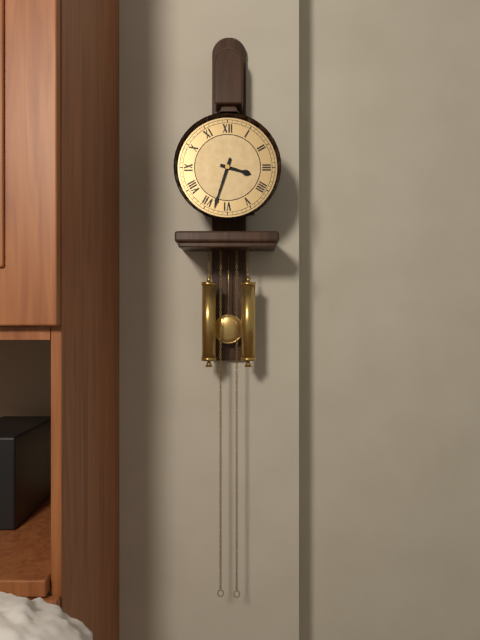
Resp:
3h33
